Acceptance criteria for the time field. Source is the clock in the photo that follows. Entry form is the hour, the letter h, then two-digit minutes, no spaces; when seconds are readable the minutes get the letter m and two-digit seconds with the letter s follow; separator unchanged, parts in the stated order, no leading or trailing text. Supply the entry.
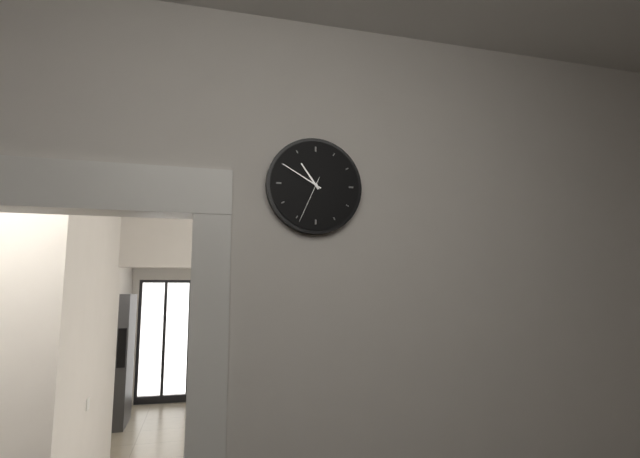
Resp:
10h50m34s
